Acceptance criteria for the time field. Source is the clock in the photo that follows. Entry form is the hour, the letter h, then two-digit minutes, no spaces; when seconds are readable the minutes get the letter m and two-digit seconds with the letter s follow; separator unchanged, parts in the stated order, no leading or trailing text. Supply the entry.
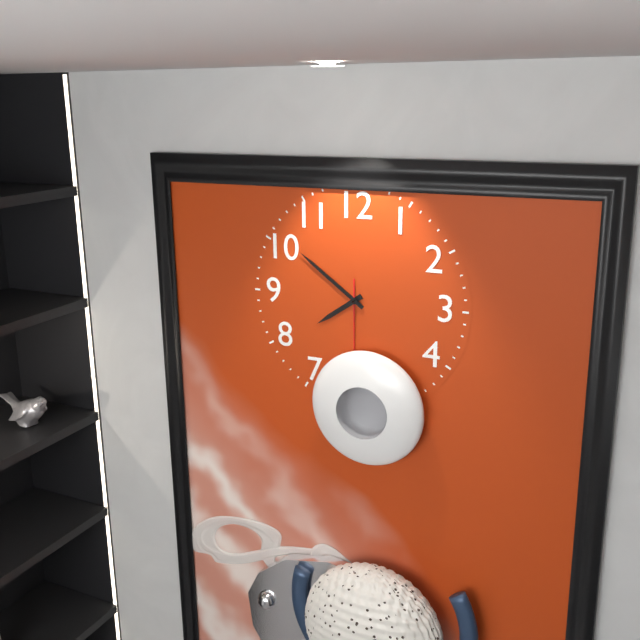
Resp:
7h51
